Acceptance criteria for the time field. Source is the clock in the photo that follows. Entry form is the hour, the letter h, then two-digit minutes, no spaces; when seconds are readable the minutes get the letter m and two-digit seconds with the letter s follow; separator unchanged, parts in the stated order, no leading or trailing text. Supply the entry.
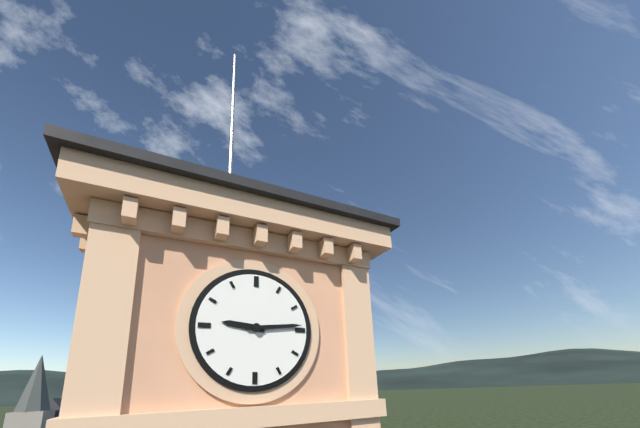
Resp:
9h14
